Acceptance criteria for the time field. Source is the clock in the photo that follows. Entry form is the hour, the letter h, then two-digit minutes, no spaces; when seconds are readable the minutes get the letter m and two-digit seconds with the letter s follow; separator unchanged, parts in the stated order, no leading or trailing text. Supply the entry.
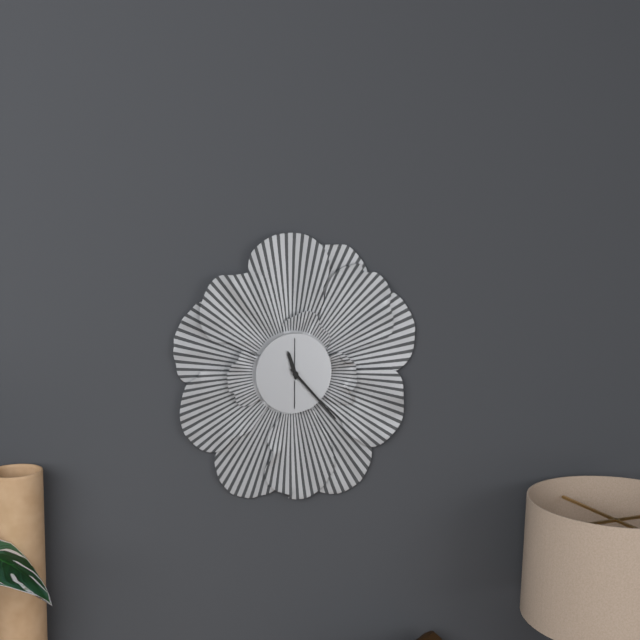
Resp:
11h23
